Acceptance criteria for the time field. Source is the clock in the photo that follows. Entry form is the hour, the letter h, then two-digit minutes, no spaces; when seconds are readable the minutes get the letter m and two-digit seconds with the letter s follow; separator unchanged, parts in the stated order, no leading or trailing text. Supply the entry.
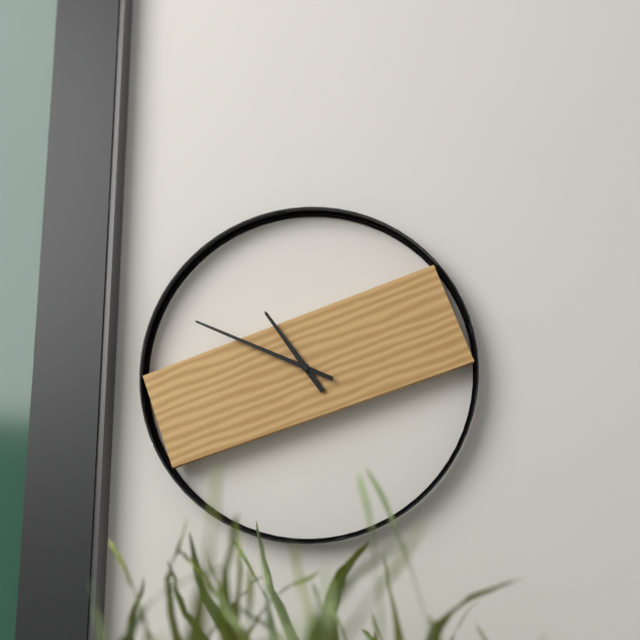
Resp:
10h49
